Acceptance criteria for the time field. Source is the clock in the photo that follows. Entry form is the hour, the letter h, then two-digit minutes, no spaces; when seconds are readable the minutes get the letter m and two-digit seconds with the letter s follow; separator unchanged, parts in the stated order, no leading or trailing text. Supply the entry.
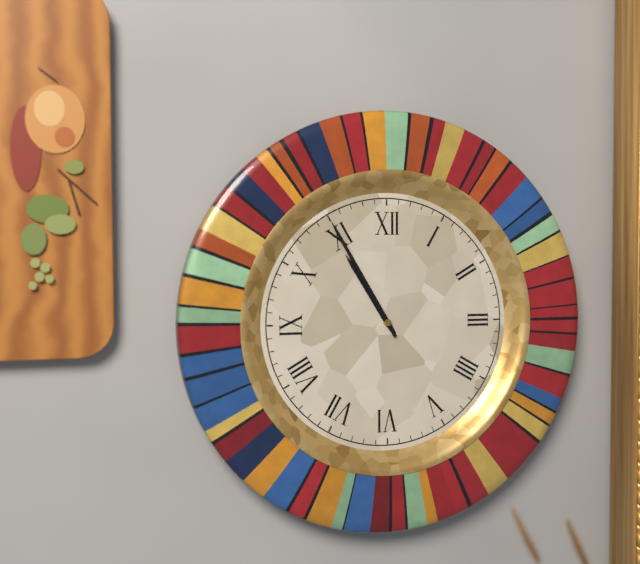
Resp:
10h55
